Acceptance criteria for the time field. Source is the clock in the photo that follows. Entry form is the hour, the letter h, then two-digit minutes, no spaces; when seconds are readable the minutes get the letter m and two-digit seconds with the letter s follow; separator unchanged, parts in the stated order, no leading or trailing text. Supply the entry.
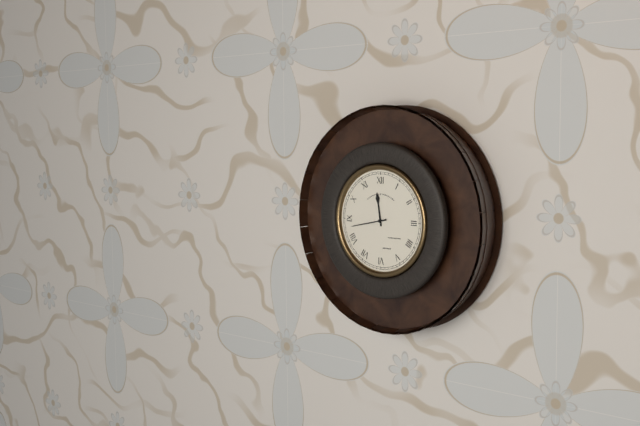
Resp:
11h43
